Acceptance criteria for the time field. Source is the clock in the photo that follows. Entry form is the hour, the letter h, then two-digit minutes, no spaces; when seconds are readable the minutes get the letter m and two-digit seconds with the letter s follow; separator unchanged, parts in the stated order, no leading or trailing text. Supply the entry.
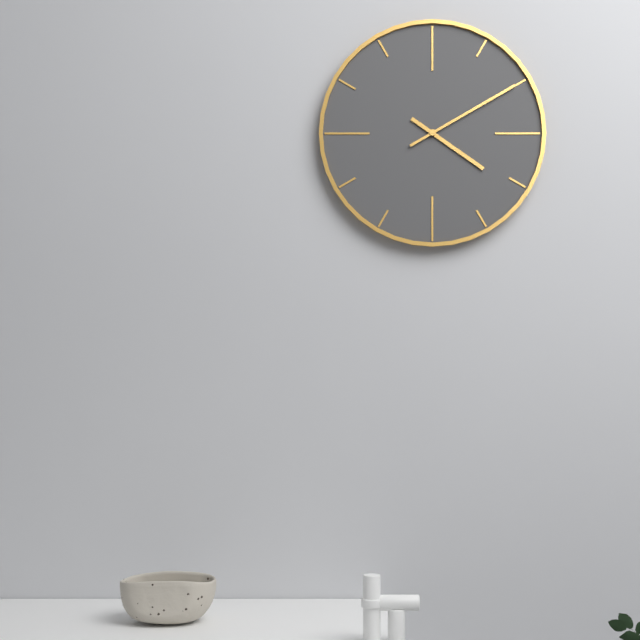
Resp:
4h10
